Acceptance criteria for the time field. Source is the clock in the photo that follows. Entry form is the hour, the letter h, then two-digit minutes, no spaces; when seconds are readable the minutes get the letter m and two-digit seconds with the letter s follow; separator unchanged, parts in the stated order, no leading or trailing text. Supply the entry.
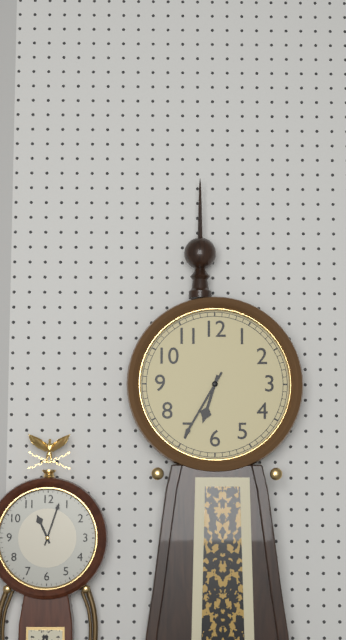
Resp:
6h35
